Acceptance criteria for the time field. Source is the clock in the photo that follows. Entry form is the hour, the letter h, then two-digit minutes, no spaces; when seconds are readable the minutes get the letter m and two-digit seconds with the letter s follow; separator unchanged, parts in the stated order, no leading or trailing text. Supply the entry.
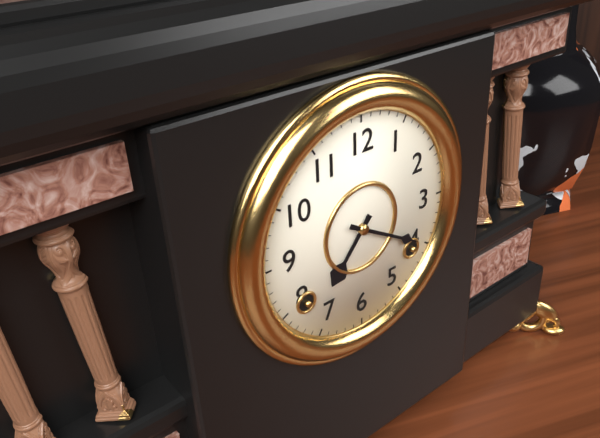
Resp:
7h20
